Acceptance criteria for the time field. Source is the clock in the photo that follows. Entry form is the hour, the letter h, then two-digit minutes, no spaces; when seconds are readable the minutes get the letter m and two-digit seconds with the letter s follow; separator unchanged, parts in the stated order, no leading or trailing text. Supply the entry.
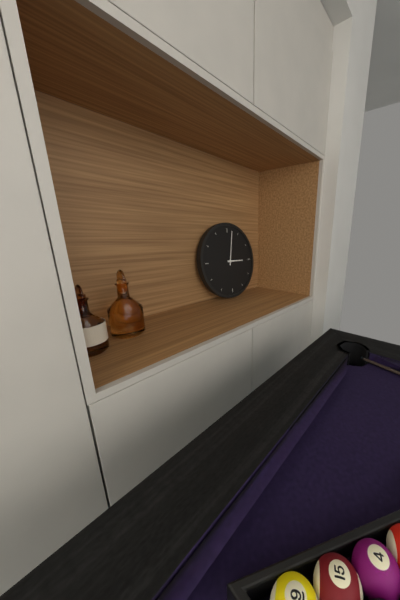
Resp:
3h02
